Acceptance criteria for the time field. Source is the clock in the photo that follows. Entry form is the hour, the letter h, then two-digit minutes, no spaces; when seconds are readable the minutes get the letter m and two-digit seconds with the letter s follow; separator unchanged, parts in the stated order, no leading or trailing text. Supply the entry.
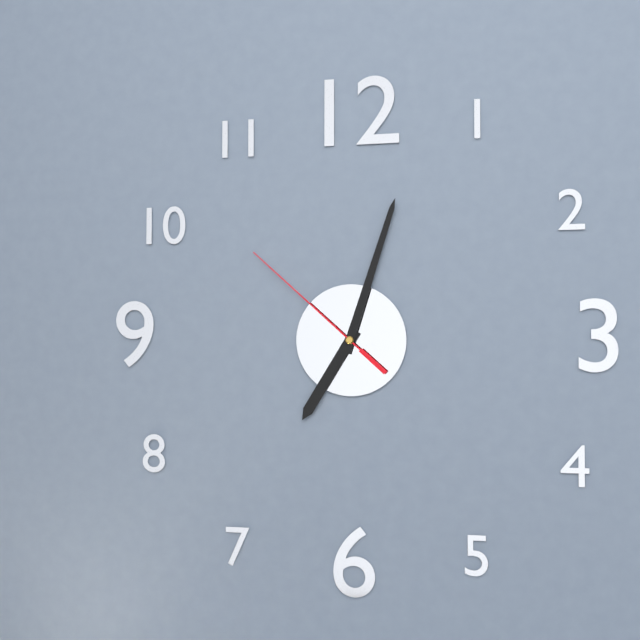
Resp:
7h03m52s
